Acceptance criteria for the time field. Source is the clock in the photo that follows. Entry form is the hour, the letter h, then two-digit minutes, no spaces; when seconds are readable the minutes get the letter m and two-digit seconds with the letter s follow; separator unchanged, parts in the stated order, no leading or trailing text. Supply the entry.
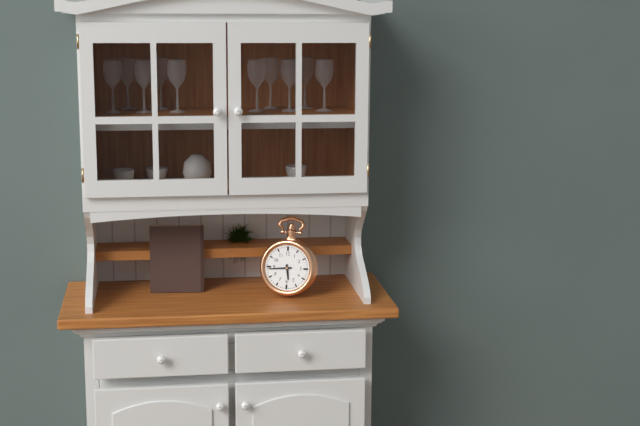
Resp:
5h44
